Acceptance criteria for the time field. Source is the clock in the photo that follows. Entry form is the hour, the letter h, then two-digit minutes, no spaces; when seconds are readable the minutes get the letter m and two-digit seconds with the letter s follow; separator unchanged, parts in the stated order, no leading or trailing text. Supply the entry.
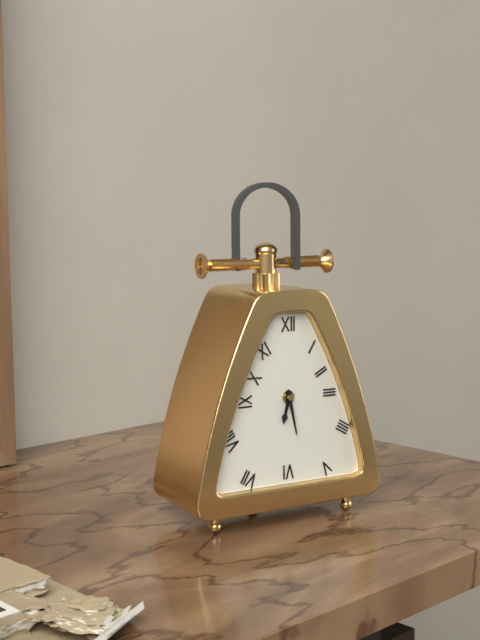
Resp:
6h28
